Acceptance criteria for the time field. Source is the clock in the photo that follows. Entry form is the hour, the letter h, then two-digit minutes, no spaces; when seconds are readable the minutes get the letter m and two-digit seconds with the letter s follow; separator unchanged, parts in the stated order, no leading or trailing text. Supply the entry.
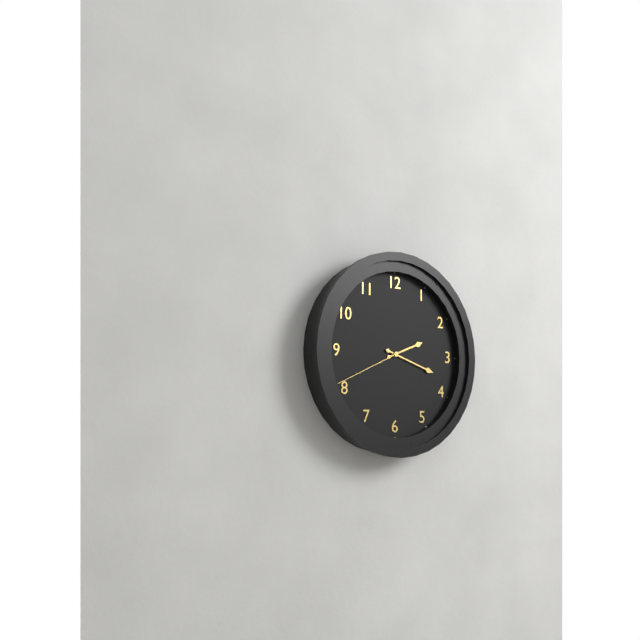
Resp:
2h18m41s
